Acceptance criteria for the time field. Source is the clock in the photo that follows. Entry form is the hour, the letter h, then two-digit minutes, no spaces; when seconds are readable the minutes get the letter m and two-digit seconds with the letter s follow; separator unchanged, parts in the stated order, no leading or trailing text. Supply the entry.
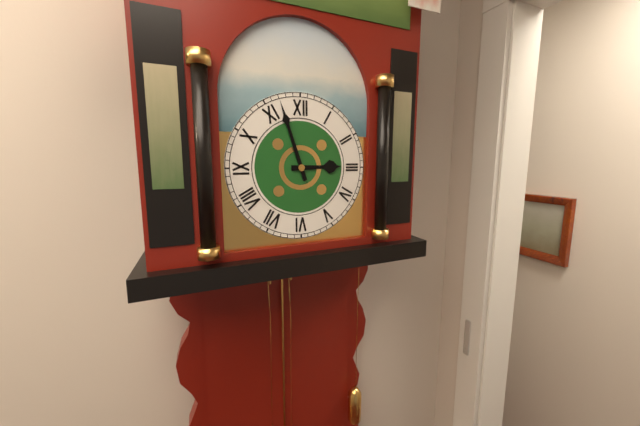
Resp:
2h57
